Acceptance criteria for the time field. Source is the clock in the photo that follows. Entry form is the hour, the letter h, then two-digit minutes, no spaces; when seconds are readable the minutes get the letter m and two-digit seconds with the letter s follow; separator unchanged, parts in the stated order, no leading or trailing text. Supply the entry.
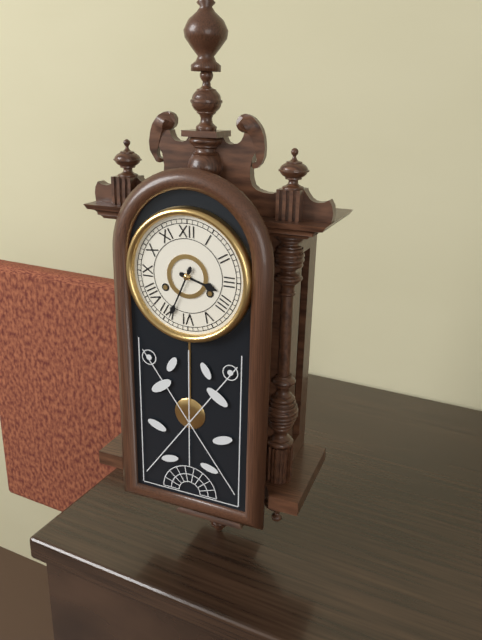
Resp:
3h34
